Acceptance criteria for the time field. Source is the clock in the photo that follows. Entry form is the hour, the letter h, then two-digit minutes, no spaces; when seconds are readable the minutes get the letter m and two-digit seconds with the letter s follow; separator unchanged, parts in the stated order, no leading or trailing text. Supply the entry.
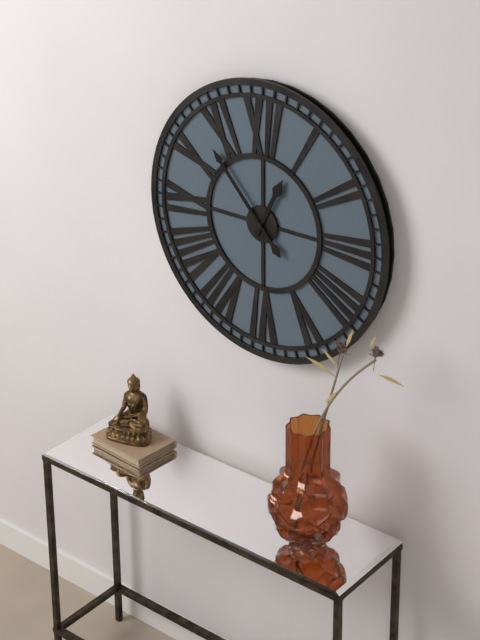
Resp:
12h53
